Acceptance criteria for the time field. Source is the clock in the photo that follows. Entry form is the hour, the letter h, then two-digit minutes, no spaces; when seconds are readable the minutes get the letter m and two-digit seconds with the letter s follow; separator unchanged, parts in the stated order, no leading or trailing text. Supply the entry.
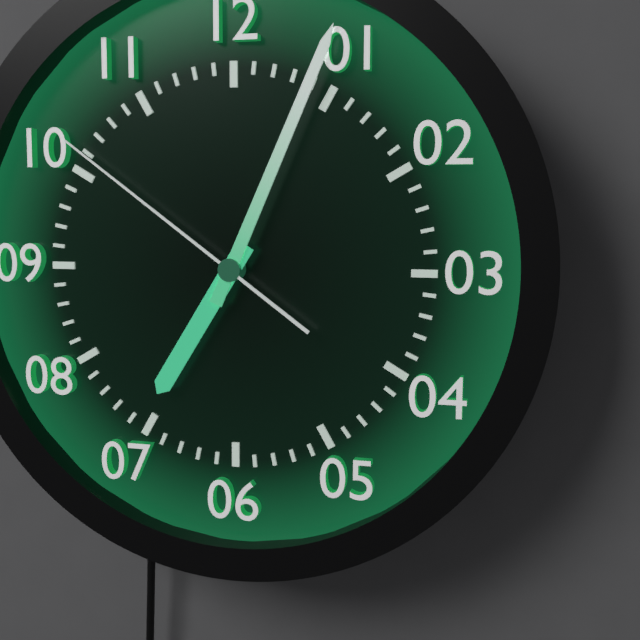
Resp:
7h04m51s
